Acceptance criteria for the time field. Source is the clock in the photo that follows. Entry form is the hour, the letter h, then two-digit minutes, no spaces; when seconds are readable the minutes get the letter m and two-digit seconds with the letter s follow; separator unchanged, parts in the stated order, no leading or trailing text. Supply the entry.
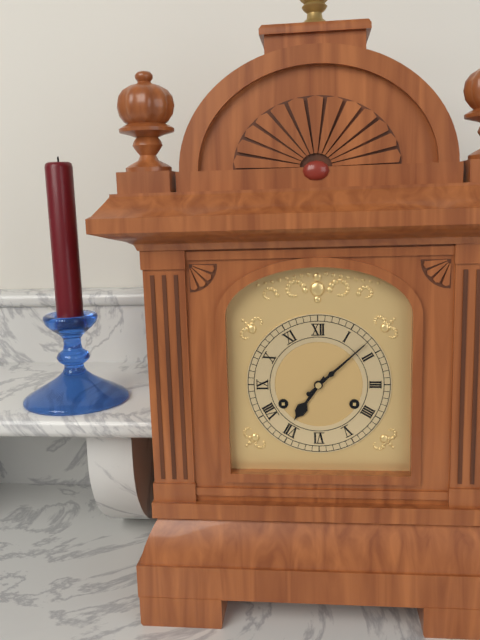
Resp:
7h08
